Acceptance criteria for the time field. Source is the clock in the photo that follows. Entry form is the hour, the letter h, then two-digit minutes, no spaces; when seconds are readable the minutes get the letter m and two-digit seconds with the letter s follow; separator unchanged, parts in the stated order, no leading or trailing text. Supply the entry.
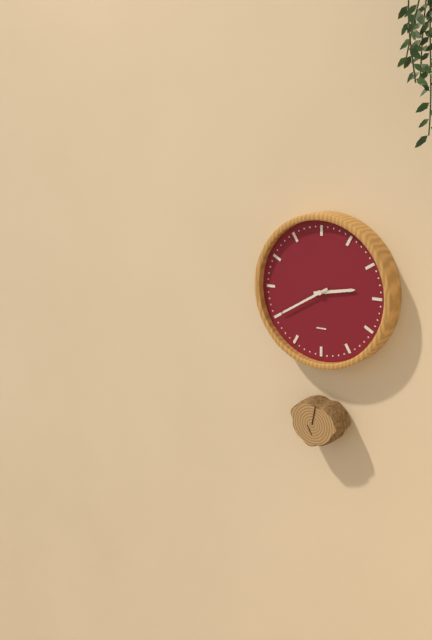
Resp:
2h40
